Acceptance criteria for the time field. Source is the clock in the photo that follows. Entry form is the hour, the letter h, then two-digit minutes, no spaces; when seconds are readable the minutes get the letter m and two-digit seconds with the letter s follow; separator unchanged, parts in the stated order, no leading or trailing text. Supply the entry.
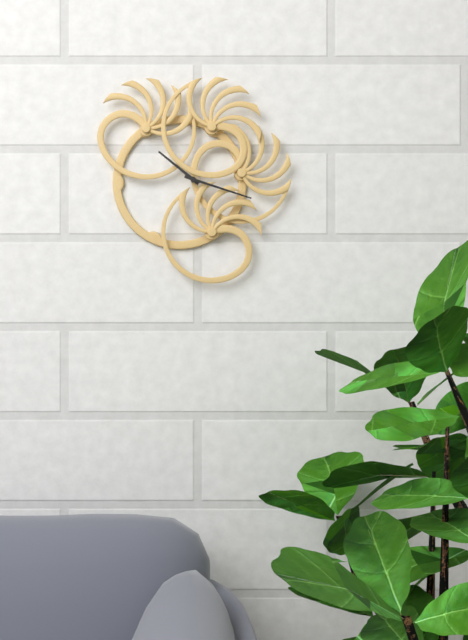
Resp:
10h18
